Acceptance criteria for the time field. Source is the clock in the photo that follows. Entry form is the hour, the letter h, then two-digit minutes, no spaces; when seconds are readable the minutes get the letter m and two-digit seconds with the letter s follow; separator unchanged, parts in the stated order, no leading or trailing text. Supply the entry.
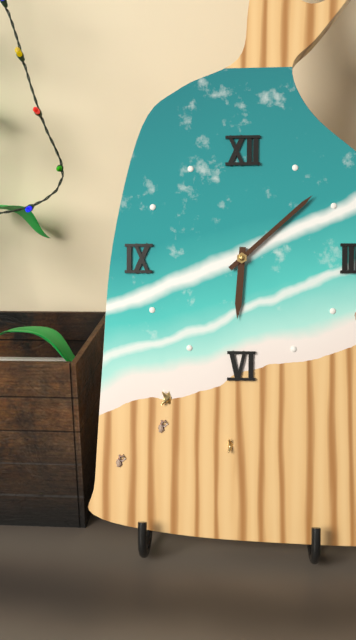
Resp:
6h08
